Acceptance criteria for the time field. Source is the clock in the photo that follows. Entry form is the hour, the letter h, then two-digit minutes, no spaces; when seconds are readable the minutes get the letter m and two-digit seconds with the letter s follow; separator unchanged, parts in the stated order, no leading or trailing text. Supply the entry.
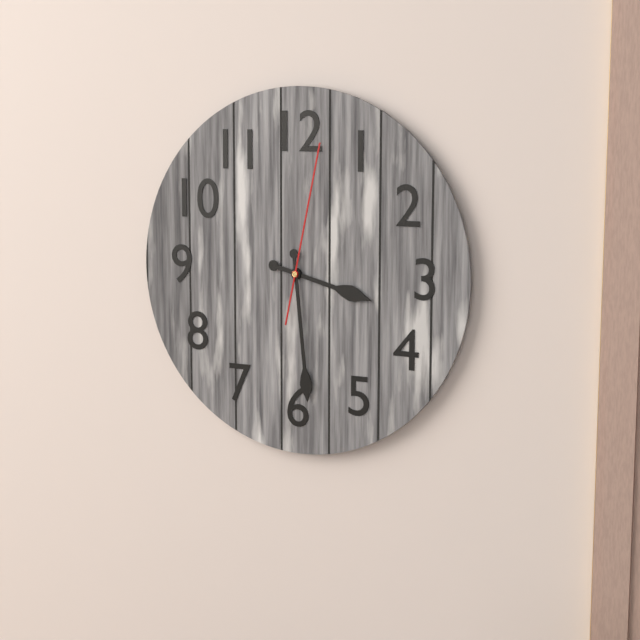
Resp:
3h29m02s
